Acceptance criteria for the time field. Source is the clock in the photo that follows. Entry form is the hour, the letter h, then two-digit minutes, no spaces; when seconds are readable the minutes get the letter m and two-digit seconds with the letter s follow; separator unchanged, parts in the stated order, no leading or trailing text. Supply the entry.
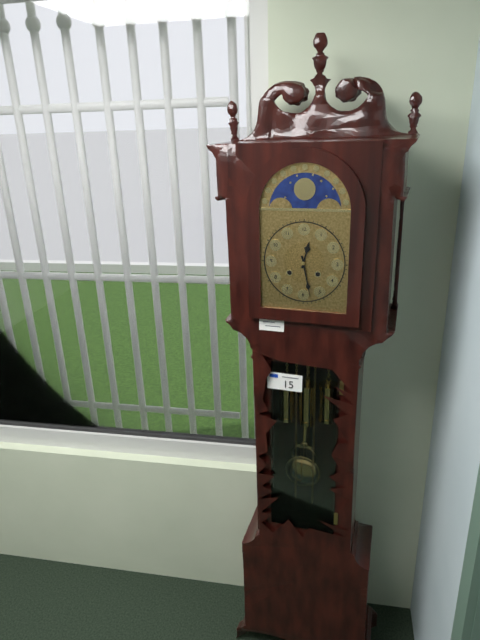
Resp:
12h28
